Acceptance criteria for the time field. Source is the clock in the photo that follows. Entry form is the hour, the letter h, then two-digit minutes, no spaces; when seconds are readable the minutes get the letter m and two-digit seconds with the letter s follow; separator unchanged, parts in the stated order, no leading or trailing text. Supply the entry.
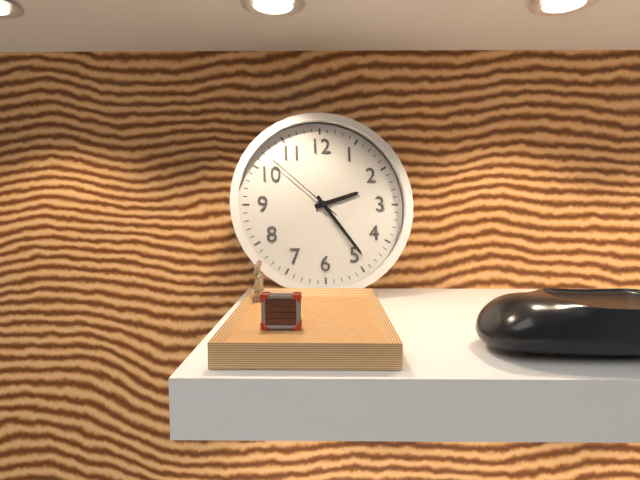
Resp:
2h24m52s
